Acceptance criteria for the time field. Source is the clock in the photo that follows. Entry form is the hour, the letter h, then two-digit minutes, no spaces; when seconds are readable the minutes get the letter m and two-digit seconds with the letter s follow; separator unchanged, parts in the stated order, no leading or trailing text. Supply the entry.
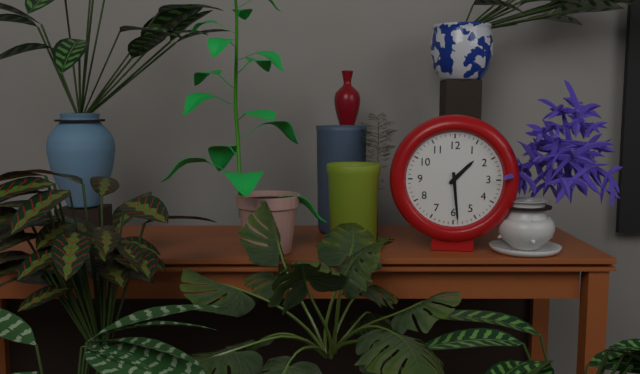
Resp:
1h29
